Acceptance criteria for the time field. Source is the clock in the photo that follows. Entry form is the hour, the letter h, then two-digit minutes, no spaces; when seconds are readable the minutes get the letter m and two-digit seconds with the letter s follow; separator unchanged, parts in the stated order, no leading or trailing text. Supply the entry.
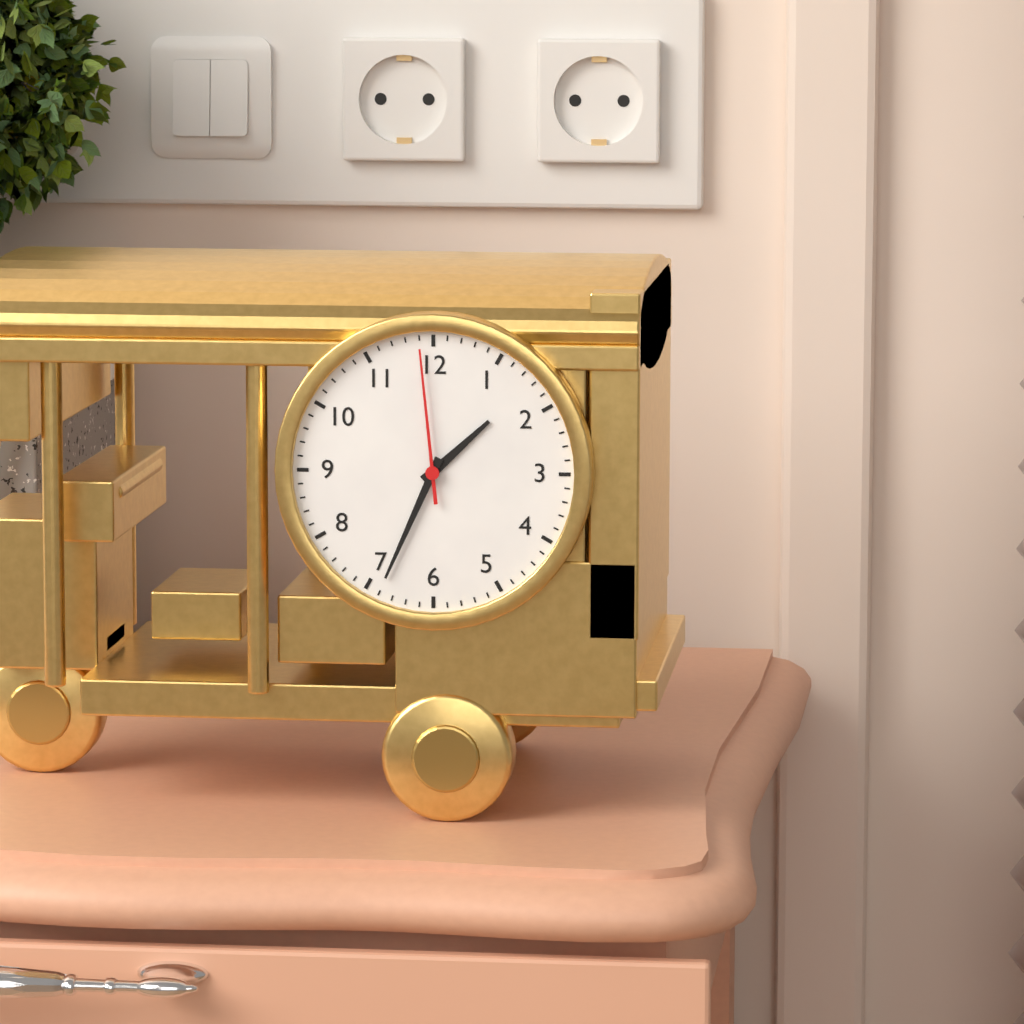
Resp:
1h34m59s
